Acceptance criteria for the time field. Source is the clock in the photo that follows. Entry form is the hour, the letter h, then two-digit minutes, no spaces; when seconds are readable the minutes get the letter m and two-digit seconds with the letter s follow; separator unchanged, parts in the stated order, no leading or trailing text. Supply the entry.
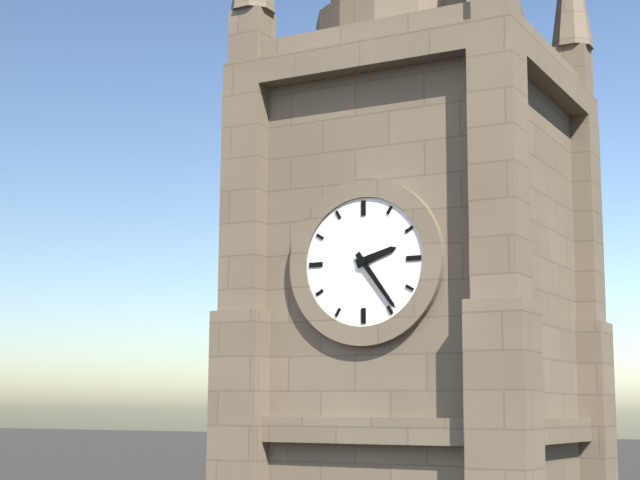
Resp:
2h24
